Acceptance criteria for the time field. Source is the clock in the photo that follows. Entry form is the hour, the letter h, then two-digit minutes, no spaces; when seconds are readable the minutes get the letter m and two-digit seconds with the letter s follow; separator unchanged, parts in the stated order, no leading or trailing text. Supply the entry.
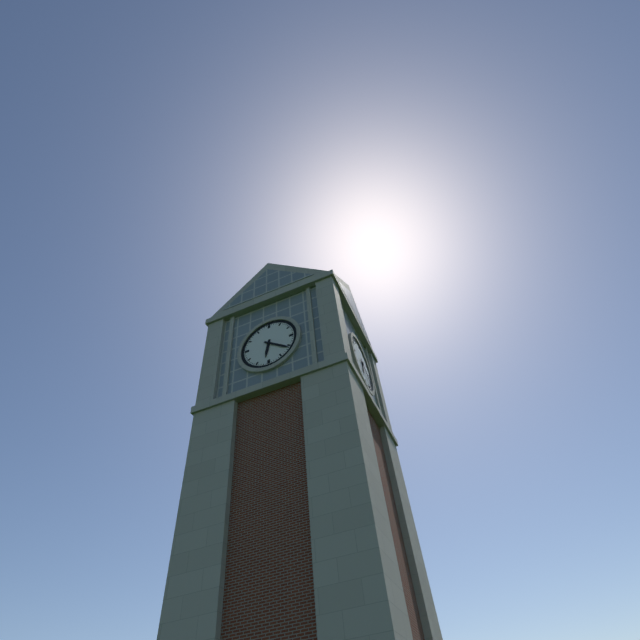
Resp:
6h21
